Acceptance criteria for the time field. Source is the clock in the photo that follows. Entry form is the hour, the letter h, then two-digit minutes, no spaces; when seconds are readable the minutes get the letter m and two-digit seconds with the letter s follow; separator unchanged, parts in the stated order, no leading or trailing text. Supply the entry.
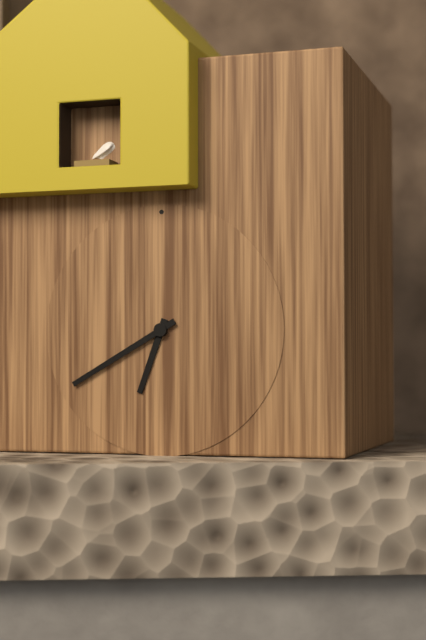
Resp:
6h40
